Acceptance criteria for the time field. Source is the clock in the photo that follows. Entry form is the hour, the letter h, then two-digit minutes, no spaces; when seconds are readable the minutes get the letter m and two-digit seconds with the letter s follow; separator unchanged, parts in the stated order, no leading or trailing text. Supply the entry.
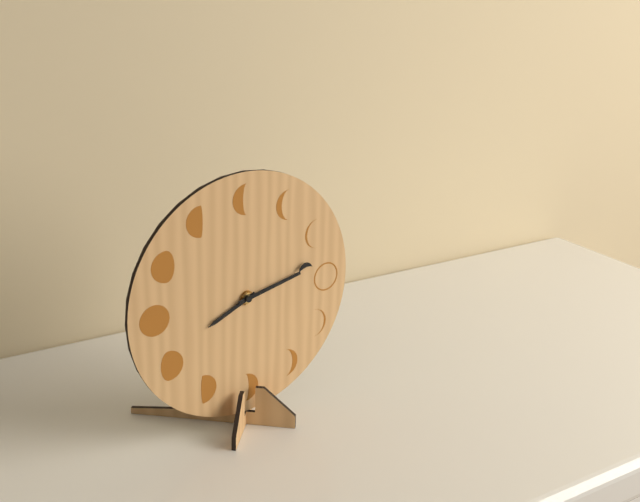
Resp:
8h13
